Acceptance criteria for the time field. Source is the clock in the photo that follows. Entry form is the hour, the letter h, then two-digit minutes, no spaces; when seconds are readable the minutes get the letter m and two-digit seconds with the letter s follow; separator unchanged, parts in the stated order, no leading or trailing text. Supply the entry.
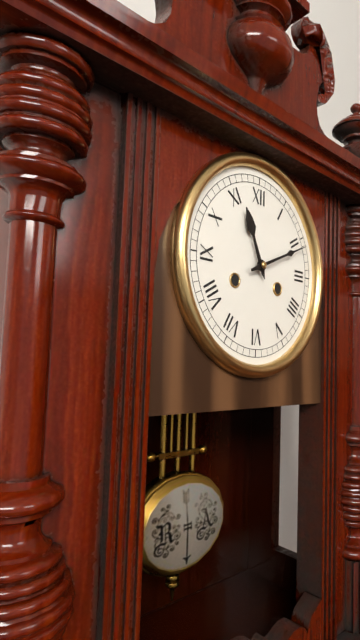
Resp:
11h11
